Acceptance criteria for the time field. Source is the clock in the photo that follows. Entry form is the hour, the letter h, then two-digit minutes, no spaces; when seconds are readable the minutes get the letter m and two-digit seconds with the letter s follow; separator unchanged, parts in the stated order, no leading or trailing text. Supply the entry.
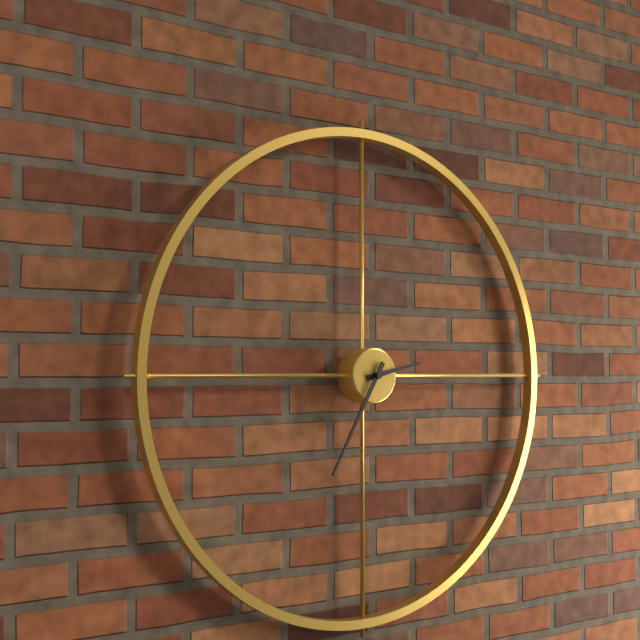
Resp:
2h35
